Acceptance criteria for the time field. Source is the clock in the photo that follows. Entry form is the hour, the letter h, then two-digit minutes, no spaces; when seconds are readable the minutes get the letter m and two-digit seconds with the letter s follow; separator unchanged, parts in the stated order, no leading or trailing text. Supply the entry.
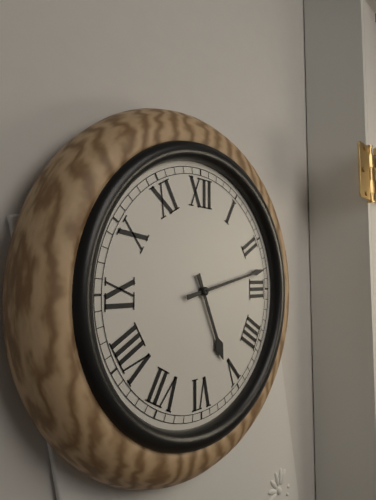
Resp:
5h13
